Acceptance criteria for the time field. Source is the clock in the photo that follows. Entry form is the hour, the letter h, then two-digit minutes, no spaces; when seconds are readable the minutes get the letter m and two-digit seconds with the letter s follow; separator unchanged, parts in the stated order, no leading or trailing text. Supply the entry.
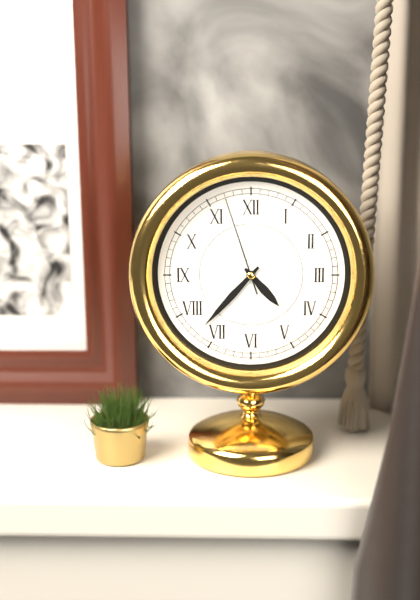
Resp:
4h37m57s
